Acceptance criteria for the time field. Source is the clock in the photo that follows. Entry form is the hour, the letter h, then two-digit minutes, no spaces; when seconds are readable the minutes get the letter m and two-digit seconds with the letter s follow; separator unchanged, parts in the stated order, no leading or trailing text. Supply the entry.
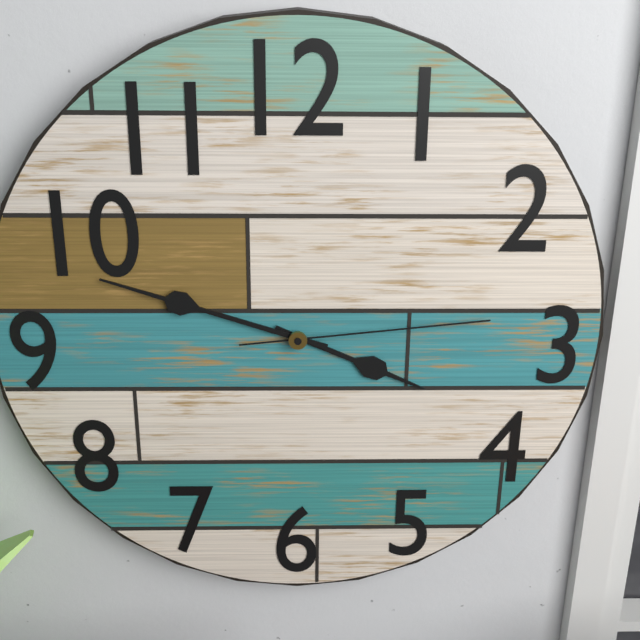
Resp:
3h48m14s
